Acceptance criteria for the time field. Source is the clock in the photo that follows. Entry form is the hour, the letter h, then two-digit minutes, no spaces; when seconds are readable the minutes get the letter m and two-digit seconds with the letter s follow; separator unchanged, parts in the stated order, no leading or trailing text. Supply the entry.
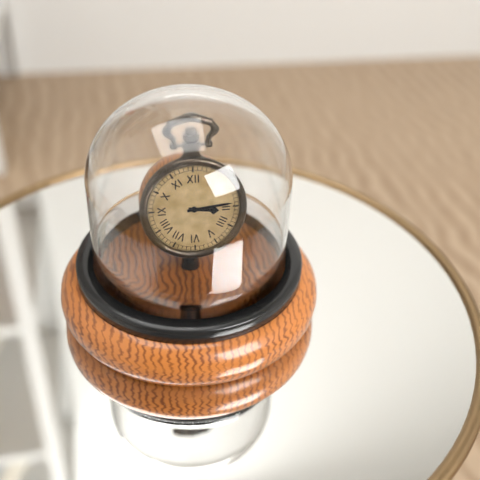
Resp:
3h14
